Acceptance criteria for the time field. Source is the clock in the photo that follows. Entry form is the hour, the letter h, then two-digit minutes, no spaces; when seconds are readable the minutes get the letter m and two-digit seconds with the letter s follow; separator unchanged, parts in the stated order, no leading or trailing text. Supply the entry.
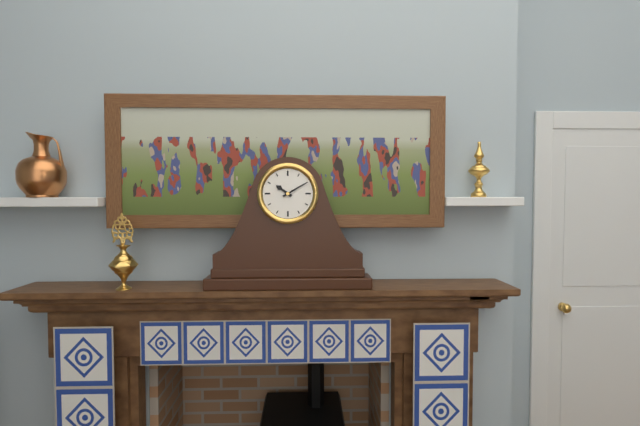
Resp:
10h10
